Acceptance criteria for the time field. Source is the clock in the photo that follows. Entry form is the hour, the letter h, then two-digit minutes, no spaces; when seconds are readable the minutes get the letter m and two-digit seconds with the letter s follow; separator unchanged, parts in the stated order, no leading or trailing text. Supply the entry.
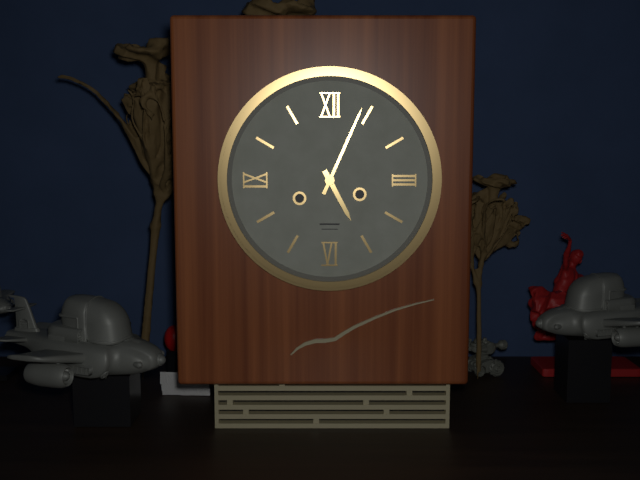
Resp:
5h04
